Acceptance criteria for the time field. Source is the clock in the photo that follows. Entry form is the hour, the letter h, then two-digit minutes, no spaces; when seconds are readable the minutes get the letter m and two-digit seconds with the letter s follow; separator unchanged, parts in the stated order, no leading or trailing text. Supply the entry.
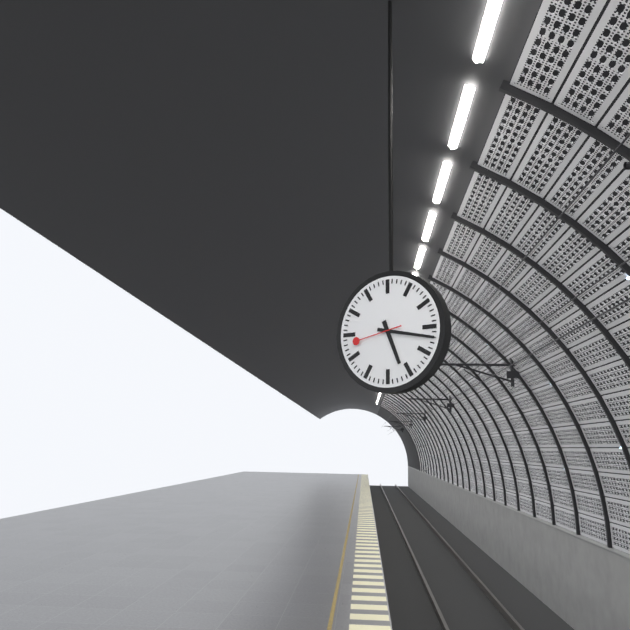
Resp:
5h17
